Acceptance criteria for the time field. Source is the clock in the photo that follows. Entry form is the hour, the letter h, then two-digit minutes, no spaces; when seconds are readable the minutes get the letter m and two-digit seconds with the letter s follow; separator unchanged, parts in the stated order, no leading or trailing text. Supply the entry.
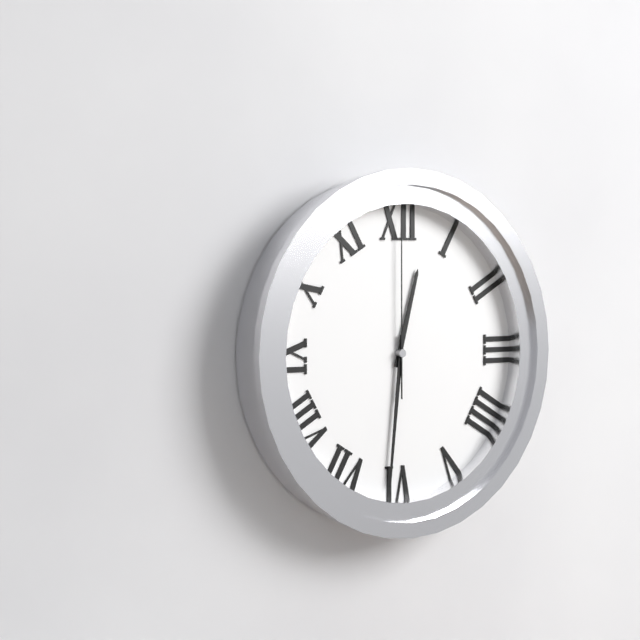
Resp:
12h31m00s
